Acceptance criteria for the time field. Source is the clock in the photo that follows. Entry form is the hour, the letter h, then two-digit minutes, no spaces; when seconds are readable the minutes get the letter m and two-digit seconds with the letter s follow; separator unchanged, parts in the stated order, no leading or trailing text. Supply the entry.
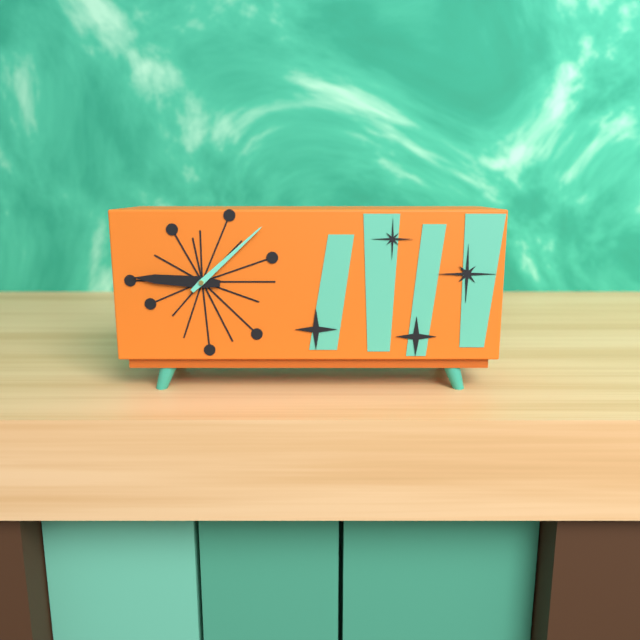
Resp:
9h08
